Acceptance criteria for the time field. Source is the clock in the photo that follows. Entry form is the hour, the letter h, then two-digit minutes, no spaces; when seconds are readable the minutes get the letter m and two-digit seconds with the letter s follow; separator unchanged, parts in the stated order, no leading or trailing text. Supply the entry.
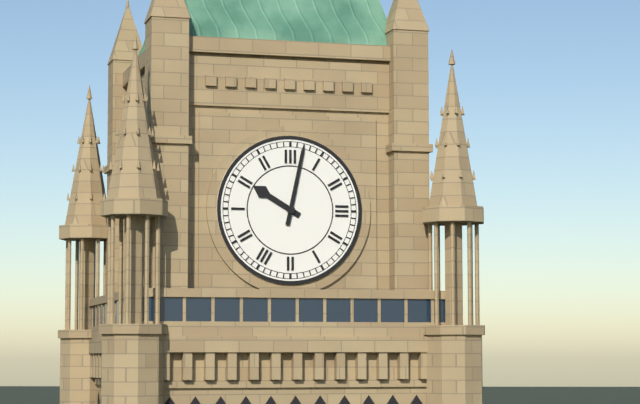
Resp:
10h02
